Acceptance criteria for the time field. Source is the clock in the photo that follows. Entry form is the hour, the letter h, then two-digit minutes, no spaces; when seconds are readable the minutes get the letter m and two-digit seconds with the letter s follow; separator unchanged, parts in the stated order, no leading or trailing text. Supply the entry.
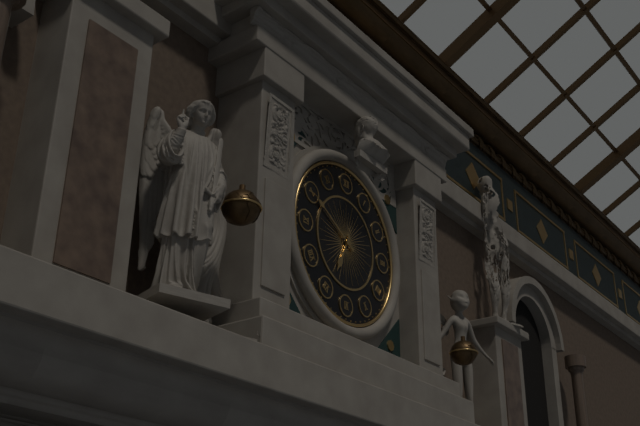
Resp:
6h50
